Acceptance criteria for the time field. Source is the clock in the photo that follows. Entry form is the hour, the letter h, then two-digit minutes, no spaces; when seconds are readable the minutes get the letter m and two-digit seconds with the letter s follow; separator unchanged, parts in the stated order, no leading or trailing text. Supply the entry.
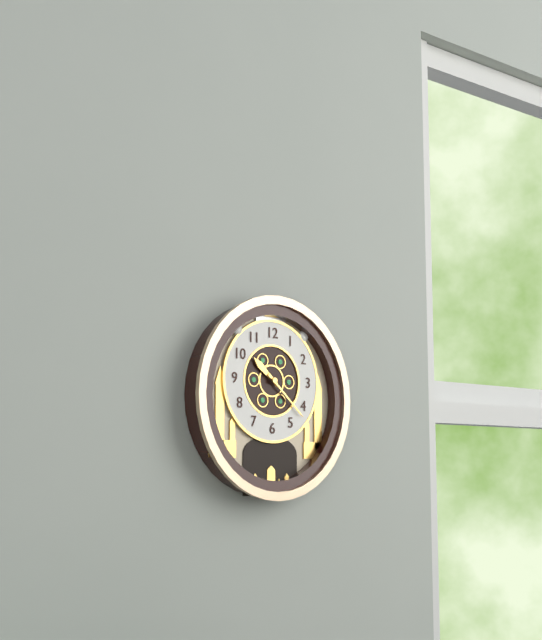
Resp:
10h22
